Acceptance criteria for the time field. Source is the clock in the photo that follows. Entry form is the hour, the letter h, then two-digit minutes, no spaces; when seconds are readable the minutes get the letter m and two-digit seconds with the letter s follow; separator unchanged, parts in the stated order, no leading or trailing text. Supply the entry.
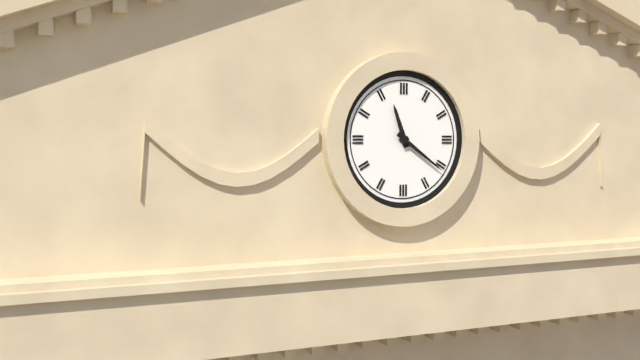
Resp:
11h21
